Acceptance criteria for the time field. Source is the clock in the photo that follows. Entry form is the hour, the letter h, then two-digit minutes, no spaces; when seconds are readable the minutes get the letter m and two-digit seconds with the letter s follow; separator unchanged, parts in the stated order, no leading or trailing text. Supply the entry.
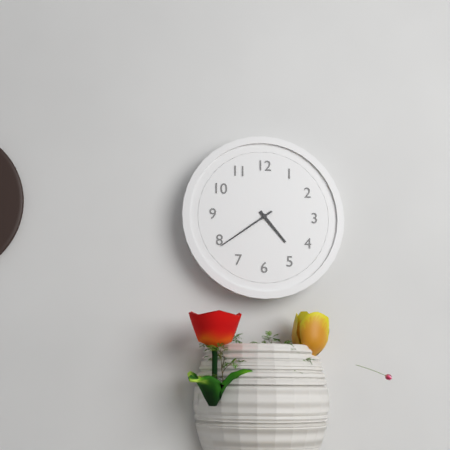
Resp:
4h39
